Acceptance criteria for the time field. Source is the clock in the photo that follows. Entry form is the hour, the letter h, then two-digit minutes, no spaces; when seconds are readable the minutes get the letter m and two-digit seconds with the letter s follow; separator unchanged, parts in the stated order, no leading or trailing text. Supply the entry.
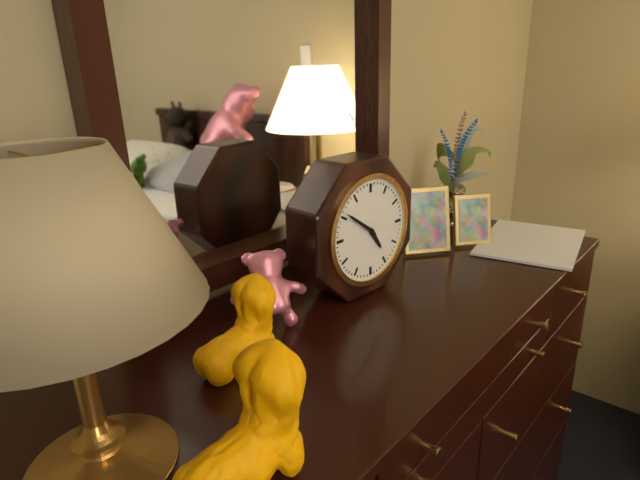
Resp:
4h51
